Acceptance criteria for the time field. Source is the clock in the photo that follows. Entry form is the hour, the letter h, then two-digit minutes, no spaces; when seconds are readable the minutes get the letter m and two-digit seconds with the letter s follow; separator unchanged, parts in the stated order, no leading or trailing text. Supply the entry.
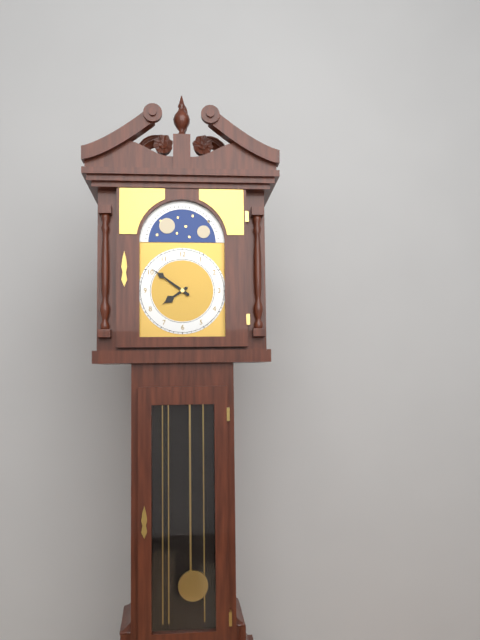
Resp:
7h51
